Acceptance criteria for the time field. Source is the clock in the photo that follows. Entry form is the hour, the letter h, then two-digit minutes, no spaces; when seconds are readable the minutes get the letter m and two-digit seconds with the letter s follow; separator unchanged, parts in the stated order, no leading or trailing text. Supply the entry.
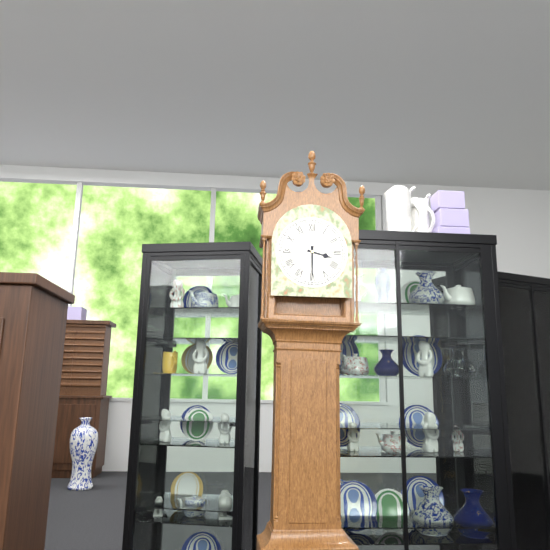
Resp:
3h30
